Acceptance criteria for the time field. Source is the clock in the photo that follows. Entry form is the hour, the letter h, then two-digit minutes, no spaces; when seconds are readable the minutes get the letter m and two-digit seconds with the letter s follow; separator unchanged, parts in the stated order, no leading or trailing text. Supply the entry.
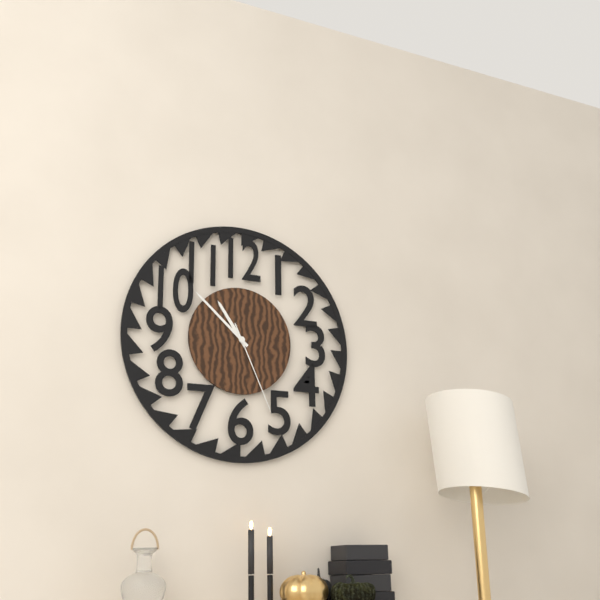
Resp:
10h52m26s
